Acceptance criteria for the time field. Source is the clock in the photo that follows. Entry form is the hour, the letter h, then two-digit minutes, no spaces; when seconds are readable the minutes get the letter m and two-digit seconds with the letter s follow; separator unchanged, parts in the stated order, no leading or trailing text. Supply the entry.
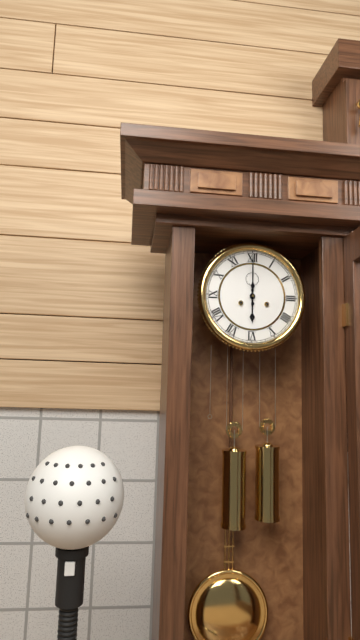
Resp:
6h00
